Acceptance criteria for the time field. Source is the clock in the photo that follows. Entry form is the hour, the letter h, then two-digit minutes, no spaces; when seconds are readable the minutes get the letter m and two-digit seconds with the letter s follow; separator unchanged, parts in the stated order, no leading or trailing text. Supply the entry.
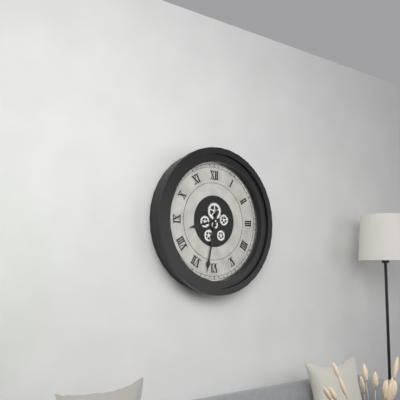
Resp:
8h32
